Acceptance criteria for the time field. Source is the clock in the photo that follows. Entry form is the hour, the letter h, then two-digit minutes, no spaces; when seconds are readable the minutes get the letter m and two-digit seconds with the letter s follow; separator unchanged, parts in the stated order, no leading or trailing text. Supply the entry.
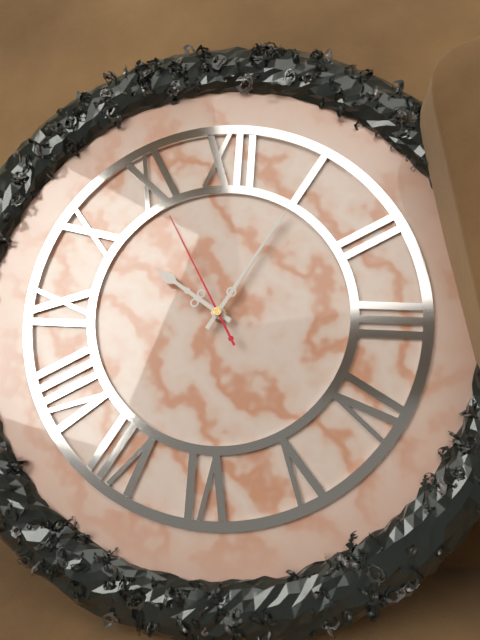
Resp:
10h05m55s
